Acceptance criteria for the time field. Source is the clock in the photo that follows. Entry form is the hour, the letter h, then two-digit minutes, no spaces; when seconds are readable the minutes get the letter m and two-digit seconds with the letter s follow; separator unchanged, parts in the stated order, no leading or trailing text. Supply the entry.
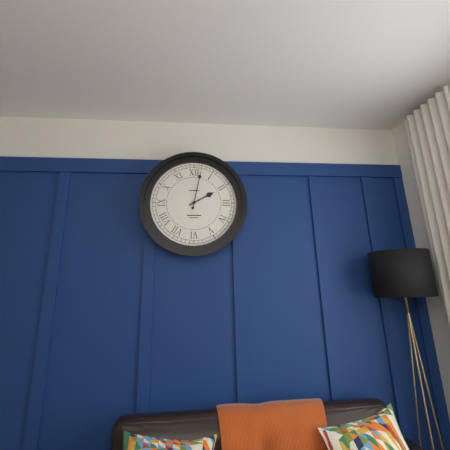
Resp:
2h02
